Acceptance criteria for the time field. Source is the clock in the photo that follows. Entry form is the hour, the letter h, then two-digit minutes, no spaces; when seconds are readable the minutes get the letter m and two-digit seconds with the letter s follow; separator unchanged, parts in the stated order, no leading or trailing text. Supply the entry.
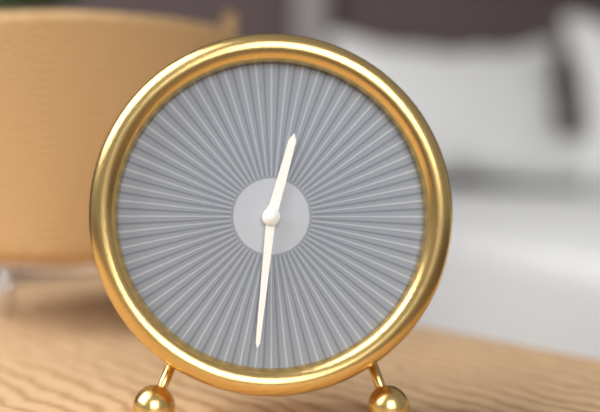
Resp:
12h31
